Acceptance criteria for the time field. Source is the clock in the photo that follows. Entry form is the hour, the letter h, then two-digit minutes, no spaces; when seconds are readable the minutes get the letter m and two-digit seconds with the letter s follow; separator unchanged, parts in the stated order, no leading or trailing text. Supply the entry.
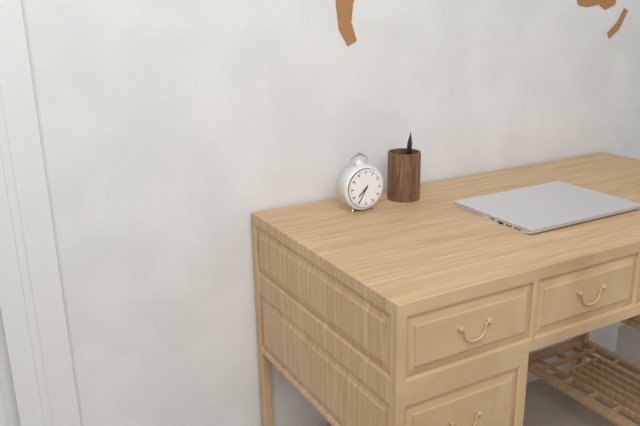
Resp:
7h35
